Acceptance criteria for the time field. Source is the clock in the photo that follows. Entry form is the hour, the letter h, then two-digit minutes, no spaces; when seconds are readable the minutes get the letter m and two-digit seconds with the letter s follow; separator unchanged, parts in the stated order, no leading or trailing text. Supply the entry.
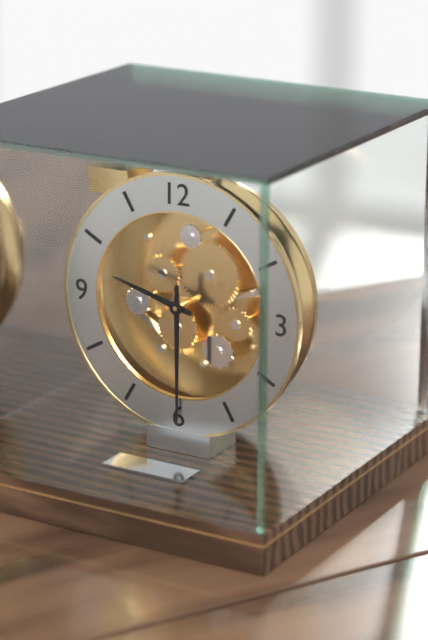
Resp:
9h30
